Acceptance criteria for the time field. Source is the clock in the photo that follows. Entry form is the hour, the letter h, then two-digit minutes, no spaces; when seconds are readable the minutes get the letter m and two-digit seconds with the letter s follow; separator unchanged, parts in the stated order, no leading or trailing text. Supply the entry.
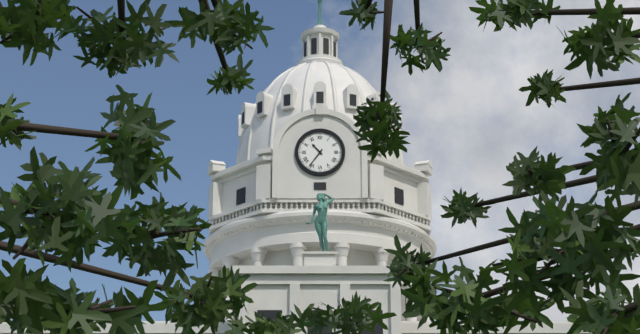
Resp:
10h36
